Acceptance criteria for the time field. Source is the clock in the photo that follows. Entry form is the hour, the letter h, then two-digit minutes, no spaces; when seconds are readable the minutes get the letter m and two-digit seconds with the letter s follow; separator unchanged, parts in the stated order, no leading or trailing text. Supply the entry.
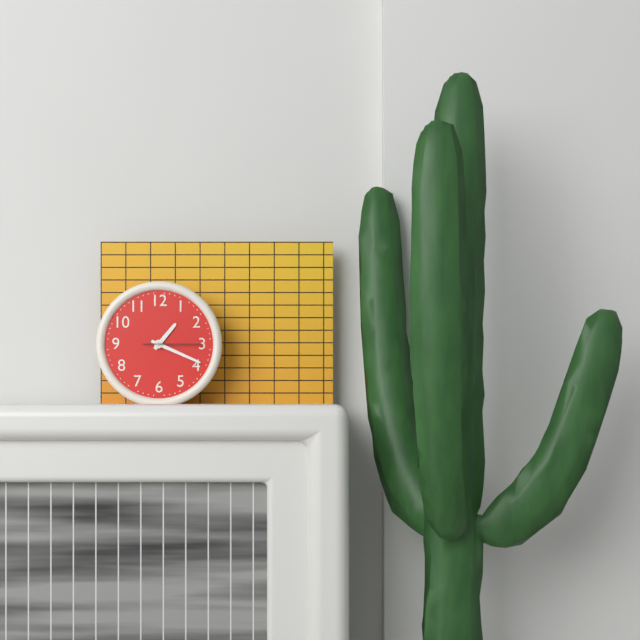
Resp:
1h19m15s
